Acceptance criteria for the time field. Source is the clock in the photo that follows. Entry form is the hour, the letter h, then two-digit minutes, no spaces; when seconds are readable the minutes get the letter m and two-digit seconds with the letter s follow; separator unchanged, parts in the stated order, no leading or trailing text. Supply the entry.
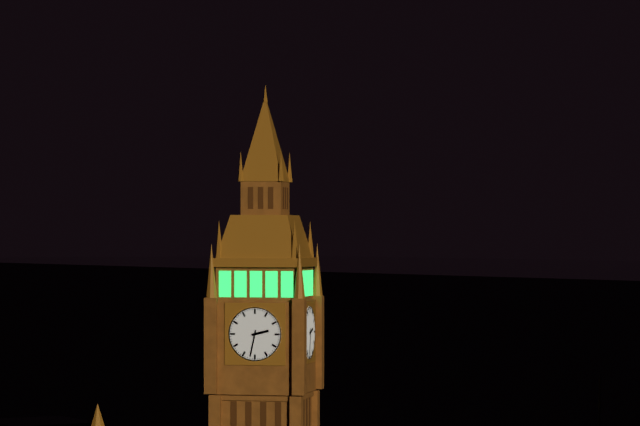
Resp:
2h32
